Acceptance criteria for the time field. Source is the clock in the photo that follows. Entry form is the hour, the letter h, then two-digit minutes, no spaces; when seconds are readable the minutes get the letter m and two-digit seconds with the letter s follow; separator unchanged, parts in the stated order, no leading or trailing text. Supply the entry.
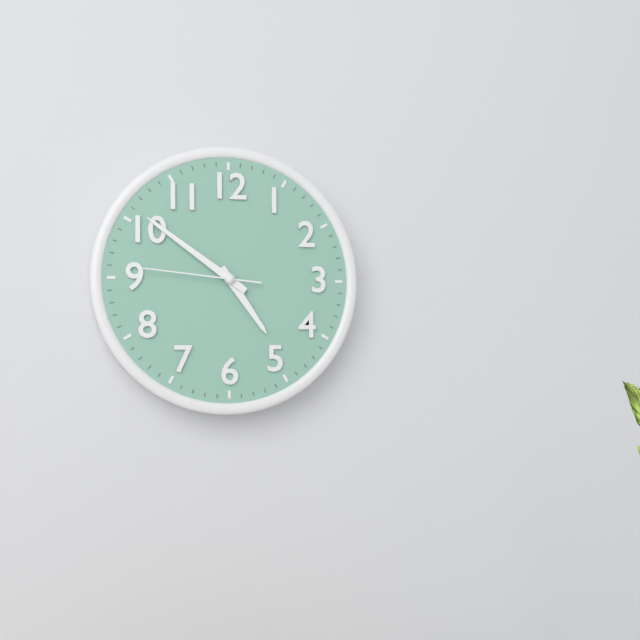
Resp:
4h51m46s
